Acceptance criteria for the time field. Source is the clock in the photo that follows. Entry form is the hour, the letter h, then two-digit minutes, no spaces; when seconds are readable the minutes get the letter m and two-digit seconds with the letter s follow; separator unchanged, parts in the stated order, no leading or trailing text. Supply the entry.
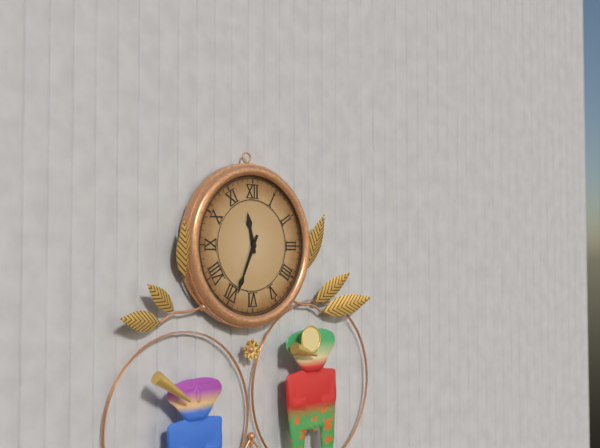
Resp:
11h34
